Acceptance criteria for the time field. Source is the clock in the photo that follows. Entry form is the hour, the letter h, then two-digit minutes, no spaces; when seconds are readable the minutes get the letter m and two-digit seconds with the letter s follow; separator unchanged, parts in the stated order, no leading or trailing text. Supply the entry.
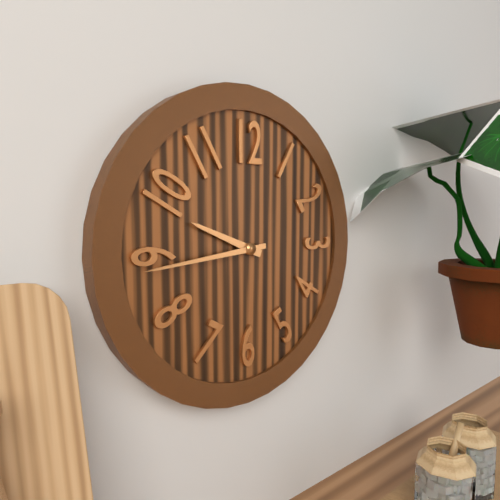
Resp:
9h44
